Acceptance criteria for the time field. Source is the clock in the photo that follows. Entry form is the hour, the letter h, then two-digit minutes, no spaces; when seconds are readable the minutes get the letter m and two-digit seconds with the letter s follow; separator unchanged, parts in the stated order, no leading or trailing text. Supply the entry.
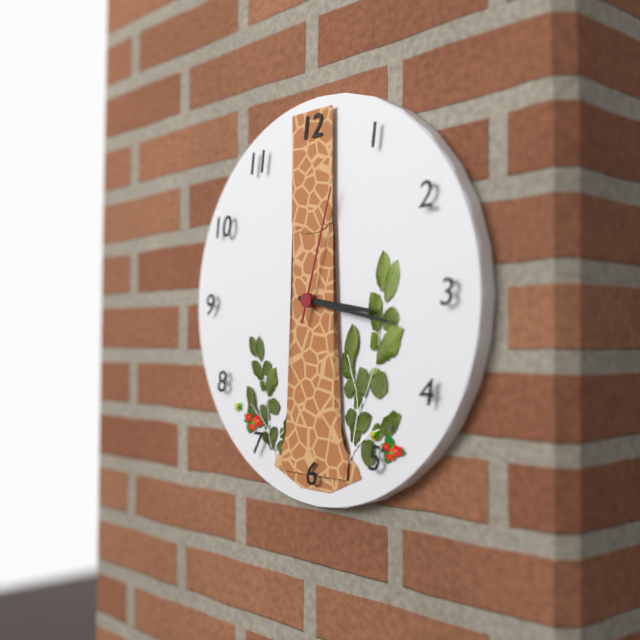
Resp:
3h17m03s
